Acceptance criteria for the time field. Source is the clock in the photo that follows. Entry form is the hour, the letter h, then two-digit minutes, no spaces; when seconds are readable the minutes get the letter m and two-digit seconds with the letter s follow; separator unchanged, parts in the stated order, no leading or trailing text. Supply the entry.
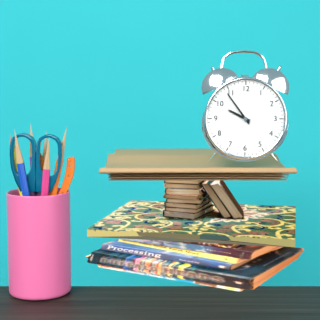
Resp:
9h54
